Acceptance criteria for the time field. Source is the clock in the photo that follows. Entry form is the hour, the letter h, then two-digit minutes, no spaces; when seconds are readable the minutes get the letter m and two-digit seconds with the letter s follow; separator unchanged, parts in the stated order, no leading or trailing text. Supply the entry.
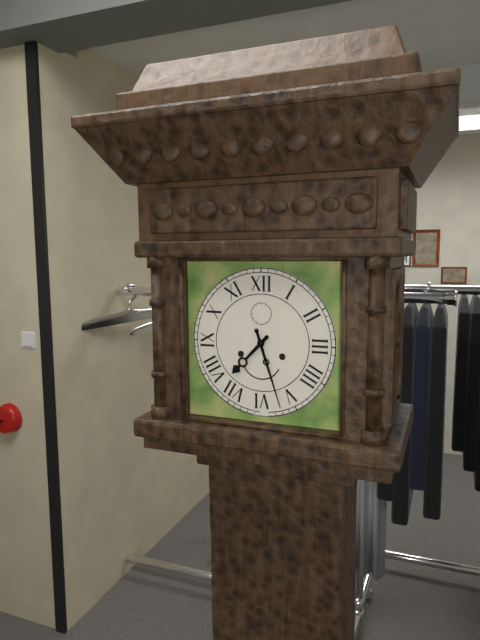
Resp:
7h27
